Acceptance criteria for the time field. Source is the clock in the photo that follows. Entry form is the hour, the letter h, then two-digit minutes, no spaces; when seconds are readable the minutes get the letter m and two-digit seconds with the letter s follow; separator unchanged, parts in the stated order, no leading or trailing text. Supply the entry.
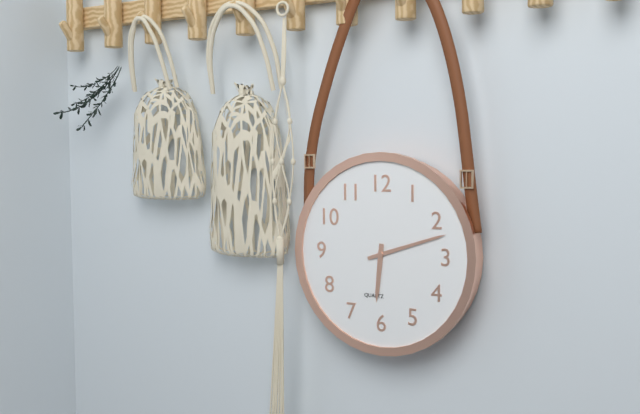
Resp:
6h12
